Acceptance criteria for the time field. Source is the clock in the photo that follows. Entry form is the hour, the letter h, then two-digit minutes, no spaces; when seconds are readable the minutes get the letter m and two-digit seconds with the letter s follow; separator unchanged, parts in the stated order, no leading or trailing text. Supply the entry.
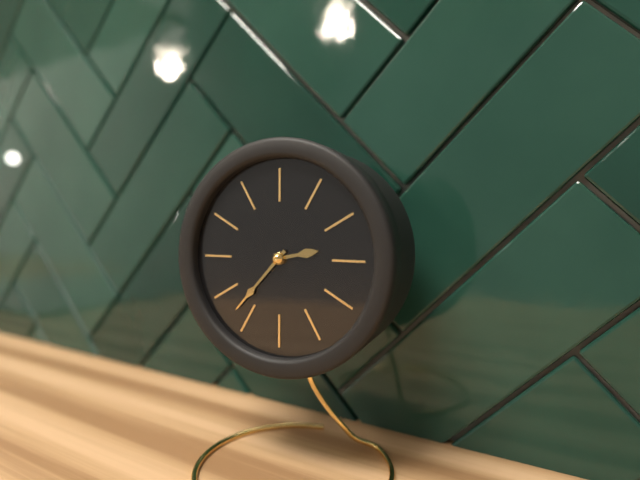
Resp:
2h37
